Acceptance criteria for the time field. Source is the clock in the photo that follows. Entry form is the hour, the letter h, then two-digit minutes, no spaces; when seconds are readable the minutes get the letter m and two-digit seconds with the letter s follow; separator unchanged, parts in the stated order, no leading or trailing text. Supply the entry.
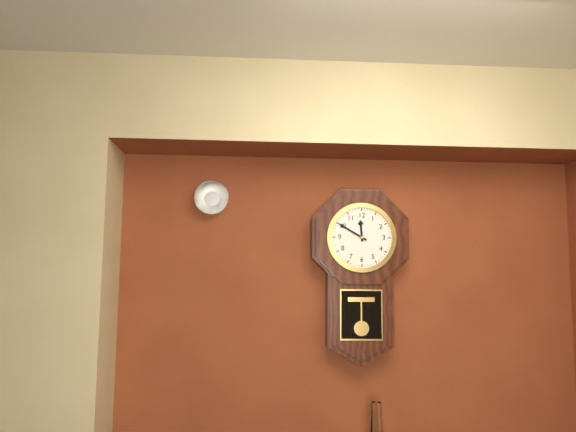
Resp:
11h50
